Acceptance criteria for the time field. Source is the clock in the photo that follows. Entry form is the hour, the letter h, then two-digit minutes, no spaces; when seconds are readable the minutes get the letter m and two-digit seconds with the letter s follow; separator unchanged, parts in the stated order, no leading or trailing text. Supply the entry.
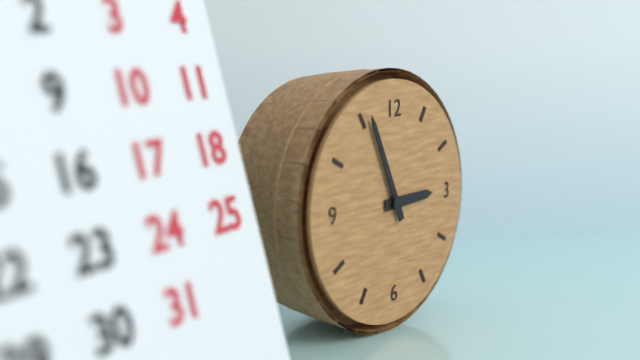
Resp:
2h56
